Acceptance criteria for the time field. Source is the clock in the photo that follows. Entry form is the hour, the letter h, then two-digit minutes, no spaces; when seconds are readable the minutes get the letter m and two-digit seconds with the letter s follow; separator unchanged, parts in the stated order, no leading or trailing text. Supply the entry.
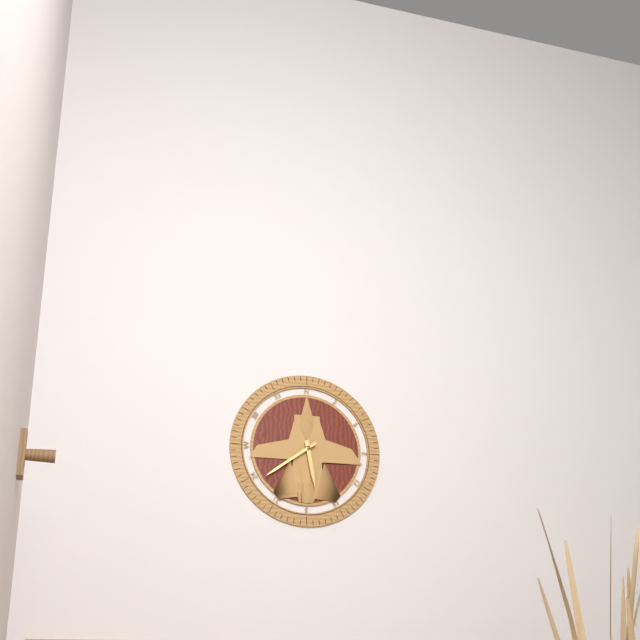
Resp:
5h39
